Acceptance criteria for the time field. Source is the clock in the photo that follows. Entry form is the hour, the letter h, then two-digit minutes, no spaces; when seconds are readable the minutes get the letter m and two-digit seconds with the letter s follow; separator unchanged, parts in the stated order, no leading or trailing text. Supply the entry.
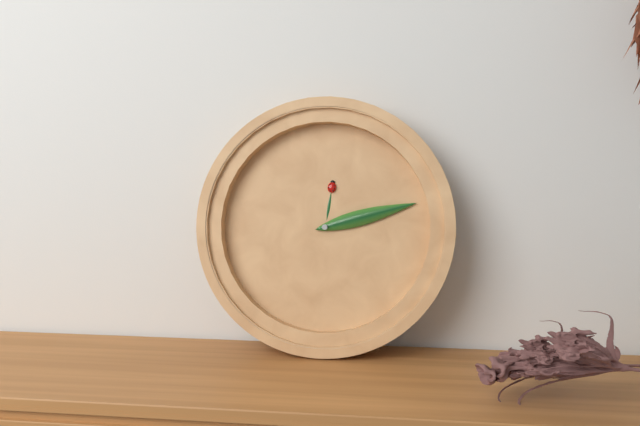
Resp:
12h12
